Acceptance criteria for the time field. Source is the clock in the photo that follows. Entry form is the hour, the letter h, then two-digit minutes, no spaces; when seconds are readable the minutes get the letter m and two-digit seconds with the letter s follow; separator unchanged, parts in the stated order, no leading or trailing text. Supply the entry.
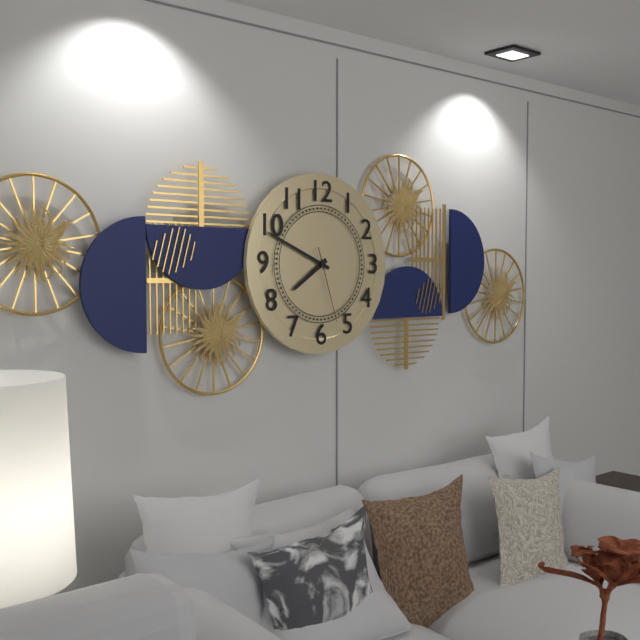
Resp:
7h49m27s
